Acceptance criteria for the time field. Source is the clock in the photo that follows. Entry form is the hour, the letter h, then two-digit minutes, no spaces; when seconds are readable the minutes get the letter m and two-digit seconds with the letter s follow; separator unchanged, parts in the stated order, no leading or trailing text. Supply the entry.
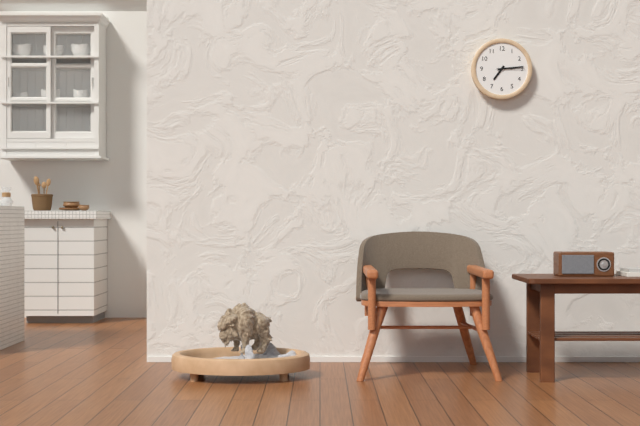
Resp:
7h14
